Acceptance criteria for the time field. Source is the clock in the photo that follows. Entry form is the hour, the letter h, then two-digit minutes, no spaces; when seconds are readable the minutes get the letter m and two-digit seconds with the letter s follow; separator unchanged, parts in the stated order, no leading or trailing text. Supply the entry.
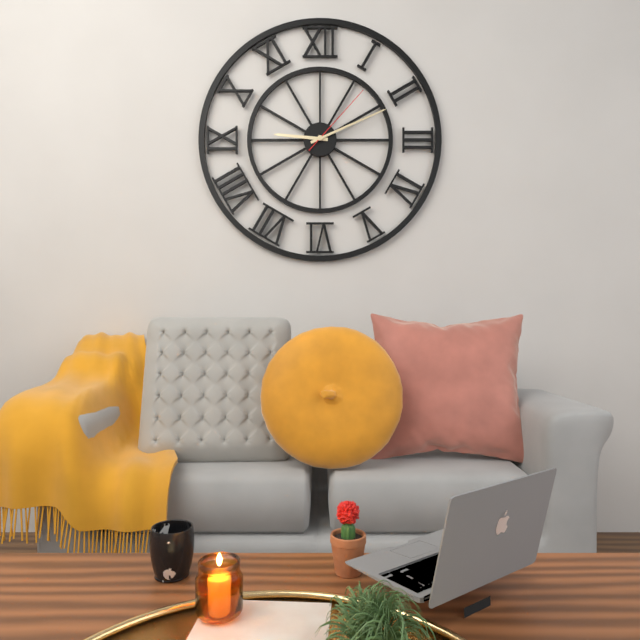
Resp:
9h11m07s
